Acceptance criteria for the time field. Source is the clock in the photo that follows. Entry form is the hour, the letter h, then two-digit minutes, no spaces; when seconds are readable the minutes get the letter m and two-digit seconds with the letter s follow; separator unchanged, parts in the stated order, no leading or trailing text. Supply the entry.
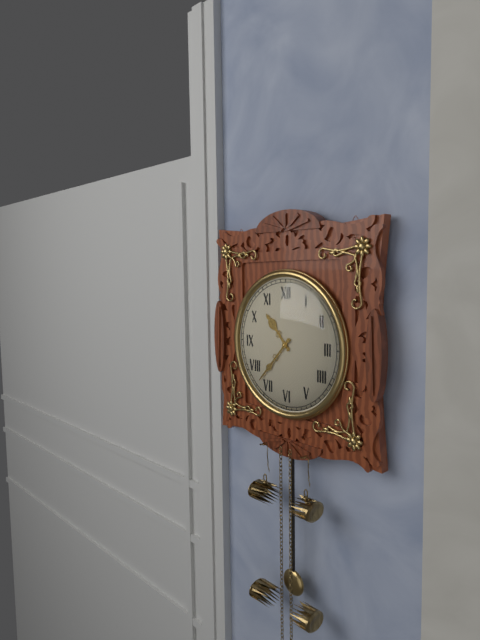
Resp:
10h37
